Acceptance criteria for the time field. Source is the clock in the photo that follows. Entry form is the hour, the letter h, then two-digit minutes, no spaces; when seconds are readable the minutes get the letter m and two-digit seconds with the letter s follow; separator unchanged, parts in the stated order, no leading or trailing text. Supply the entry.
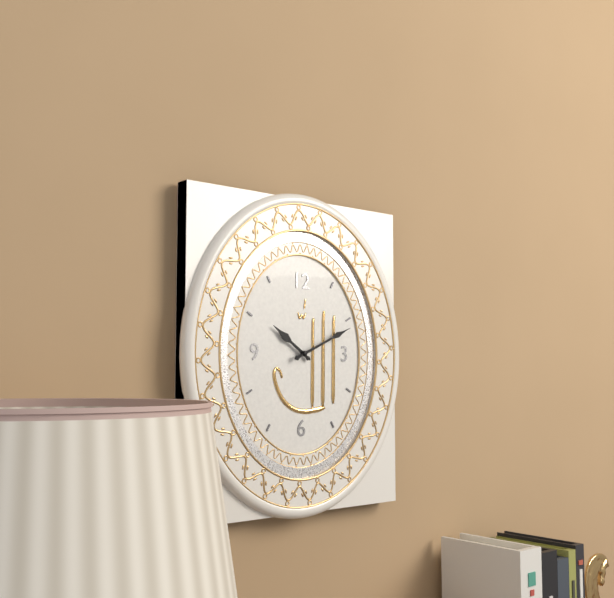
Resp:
10h11
